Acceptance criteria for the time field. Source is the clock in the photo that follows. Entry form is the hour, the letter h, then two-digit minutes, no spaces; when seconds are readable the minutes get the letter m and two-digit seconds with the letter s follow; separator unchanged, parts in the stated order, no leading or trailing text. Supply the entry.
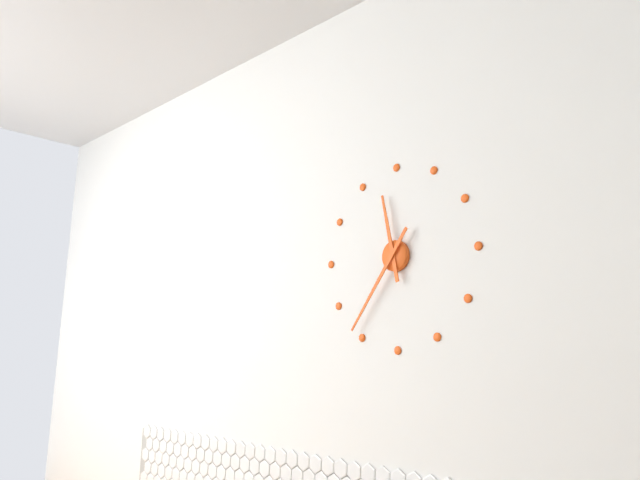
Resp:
11h36
